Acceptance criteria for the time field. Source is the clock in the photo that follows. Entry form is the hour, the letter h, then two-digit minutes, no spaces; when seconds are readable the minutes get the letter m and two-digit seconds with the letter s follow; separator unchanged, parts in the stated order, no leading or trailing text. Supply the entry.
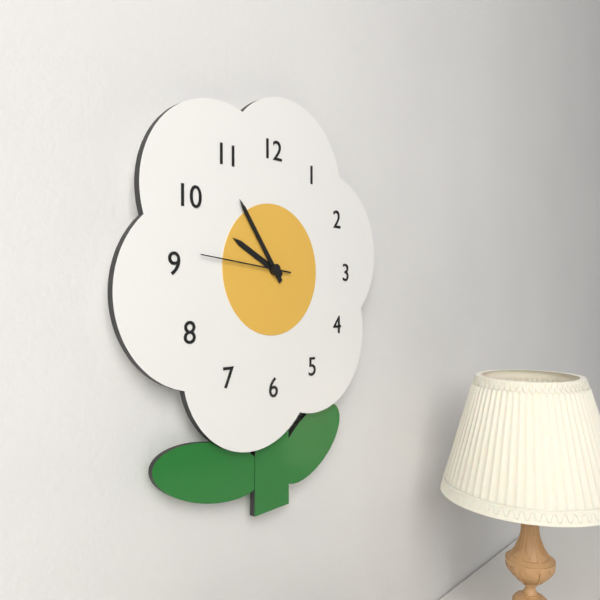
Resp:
9h54m46s
